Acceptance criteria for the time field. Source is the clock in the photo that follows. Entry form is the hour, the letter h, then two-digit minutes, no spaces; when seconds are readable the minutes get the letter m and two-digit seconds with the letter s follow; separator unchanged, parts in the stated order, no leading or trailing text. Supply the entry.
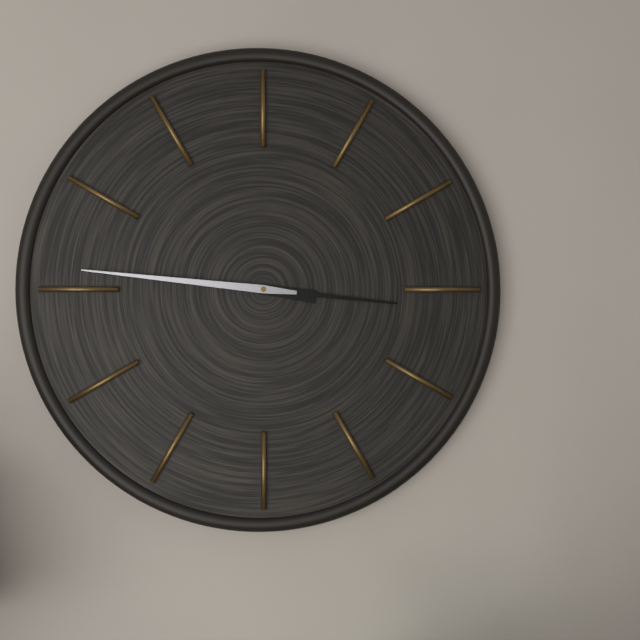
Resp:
3h16m46s
